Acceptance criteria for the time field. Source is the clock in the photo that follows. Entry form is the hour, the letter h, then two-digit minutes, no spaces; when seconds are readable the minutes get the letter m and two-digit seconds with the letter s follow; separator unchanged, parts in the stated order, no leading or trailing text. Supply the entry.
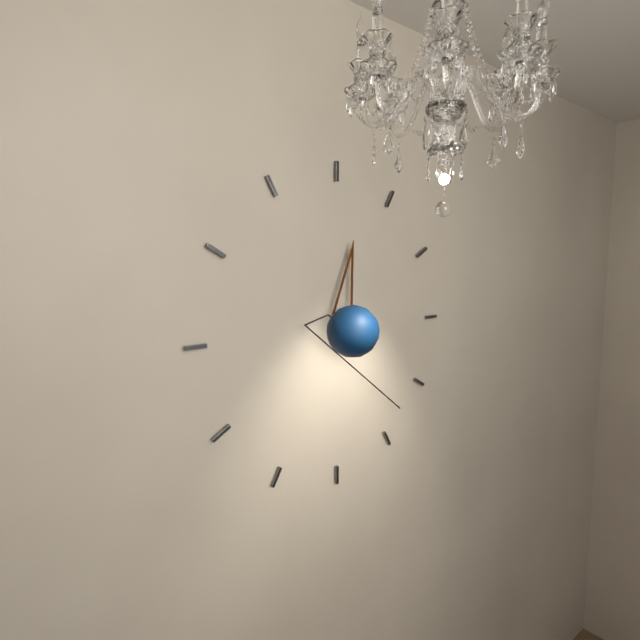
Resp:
12h23
